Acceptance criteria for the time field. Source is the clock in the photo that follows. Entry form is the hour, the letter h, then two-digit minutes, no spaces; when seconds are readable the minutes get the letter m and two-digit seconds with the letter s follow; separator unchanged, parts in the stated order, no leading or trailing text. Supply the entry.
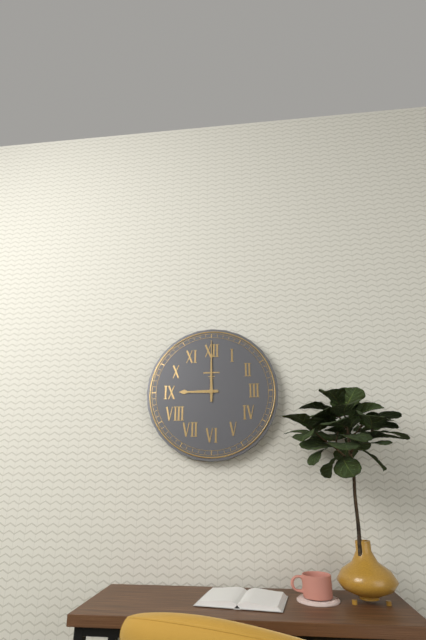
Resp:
9h00
